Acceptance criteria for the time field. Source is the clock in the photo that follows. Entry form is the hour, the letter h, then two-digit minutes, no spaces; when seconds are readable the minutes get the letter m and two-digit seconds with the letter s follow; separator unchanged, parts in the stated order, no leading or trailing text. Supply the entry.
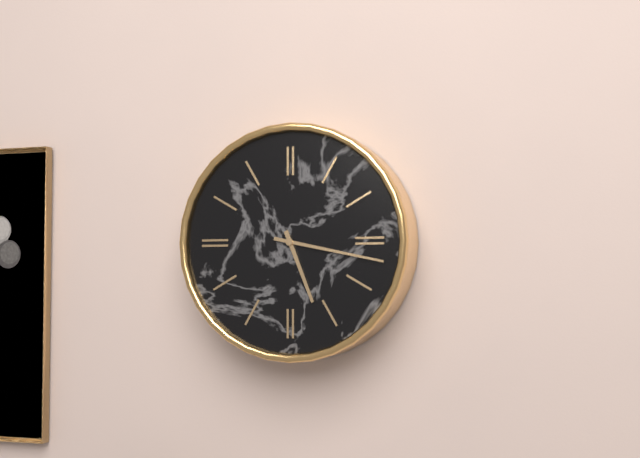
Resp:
5h17
